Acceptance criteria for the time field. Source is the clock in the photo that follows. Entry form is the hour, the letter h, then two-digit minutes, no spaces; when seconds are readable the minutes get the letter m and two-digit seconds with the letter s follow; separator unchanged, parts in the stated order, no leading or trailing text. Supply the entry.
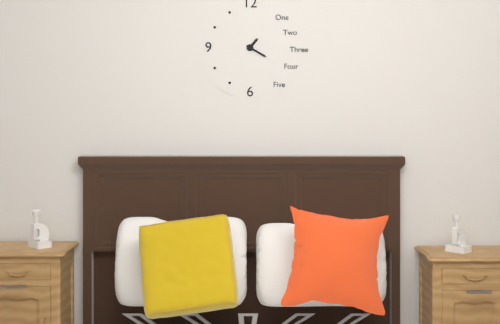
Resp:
1h20
